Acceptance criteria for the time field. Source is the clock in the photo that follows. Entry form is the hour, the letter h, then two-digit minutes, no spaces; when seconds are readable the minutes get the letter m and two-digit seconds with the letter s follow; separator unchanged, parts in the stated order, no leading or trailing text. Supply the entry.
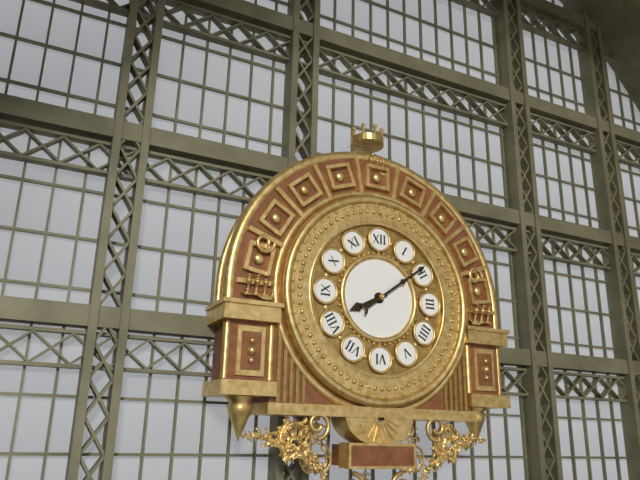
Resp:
8h09
